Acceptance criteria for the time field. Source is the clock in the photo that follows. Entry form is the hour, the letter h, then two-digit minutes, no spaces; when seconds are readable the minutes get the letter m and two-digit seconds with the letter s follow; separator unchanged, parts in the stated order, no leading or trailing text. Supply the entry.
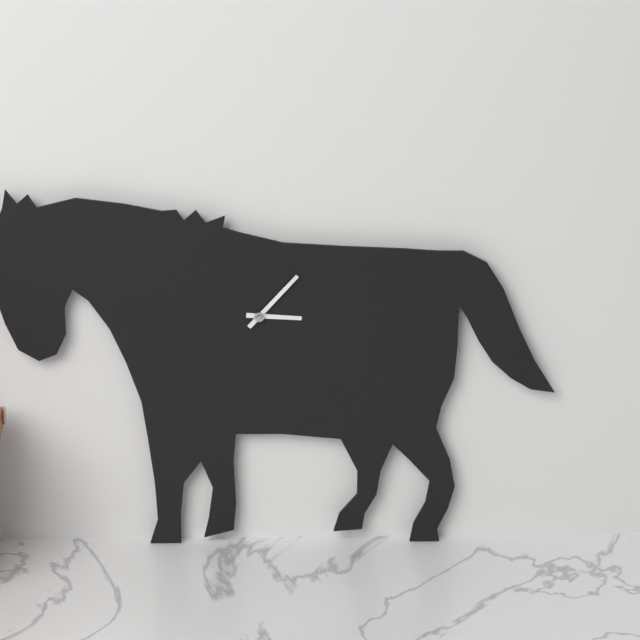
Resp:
3h07
